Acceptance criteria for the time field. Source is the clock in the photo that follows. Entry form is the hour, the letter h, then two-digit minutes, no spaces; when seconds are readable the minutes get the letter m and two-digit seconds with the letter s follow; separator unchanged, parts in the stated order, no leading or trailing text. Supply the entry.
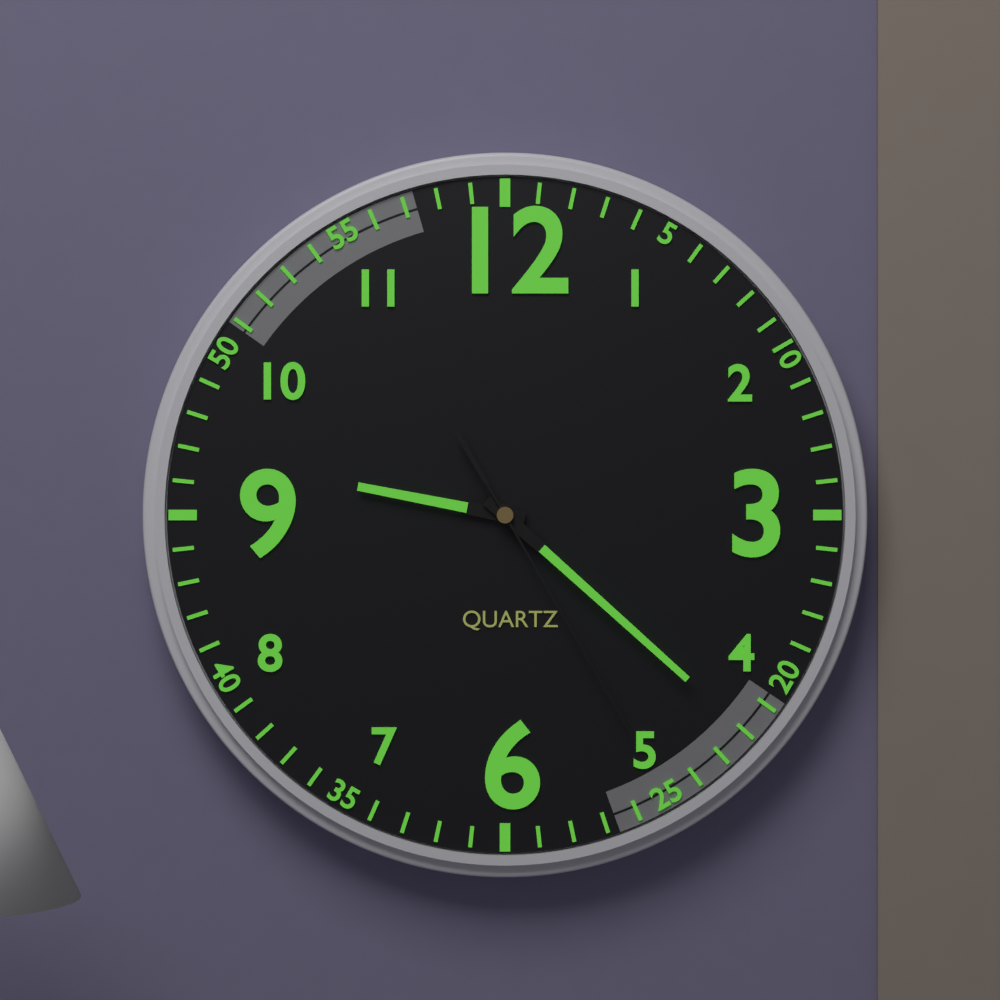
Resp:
9h22m25s
